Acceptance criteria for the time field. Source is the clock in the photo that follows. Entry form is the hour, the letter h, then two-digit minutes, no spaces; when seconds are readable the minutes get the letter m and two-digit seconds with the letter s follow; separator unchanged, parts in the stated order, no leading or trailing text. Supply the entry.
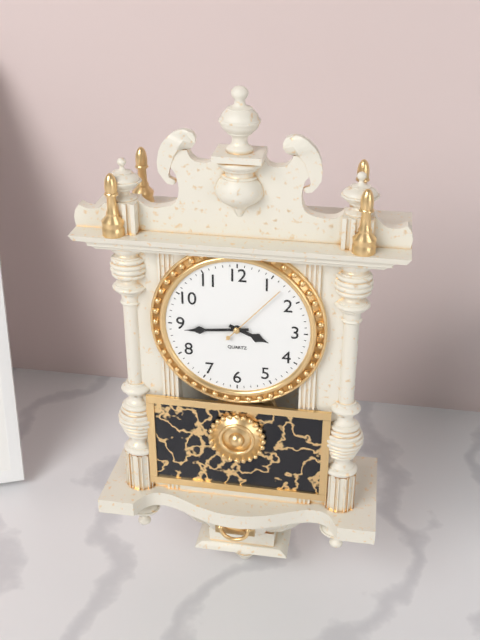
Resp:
3h44m07s
